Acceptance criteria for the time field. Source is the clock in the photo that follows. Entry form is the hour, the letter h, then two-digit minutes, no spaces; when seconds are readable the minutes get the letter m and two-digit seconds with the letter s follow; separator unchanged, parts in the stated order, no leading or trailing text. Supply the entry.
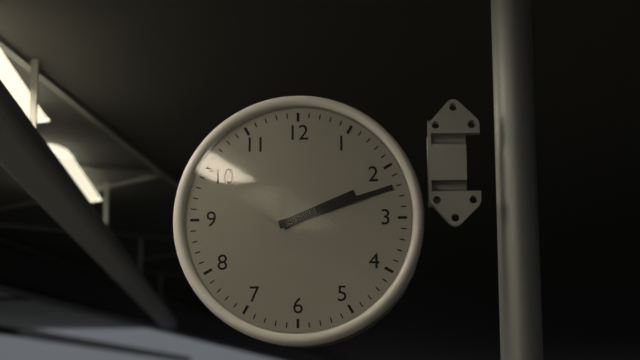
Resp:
2h12
